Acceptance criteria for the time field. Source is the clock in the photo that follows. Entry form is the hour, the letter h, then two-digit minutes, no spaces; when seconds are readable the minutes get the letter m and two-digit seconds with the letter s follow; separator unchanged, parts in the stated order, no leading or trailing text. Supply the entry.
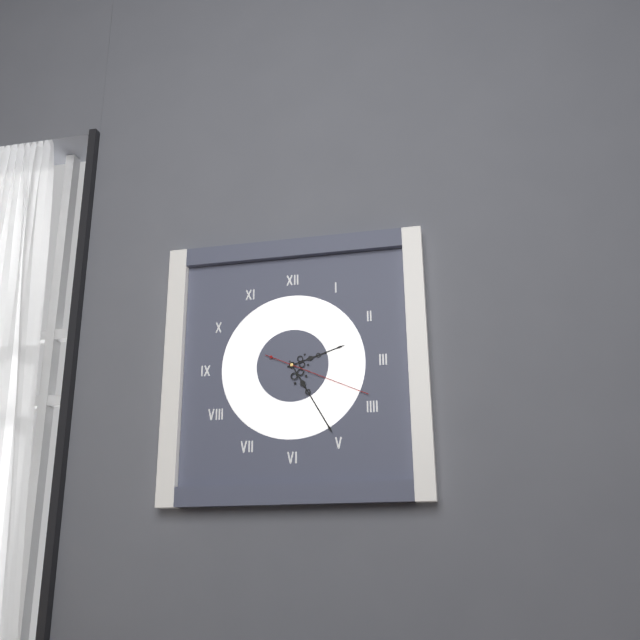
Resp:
2h25m19s
